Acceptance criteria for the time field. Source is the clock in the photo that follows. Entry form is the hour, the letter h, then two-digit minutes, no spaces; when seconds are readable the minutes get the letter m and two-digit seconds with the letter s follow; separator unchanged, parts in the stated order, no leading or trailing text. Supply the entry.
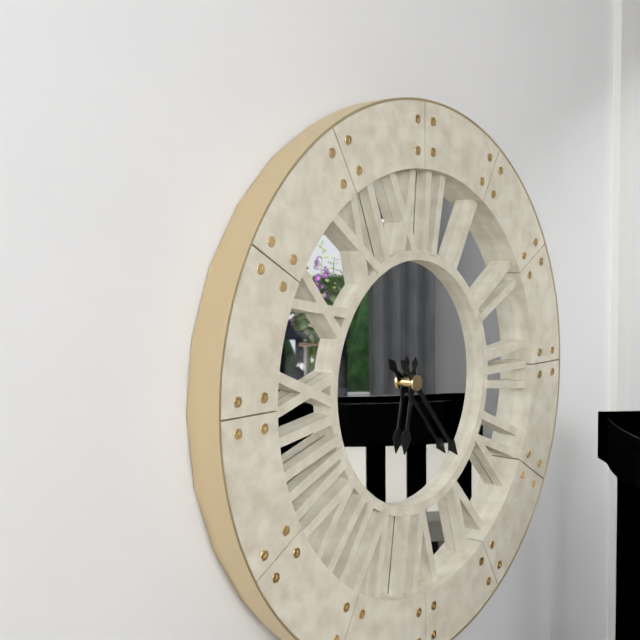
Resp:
6h23
